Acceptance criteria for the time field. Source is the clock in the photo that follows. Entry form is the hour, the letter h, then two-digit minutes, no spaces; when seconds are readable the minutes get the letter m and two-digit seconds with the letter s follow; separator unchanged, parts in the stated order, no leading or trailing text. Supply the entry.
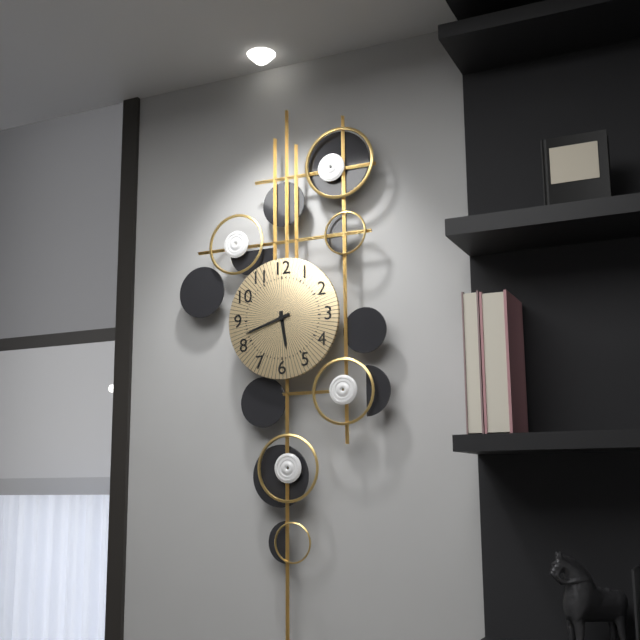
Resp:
5h42
